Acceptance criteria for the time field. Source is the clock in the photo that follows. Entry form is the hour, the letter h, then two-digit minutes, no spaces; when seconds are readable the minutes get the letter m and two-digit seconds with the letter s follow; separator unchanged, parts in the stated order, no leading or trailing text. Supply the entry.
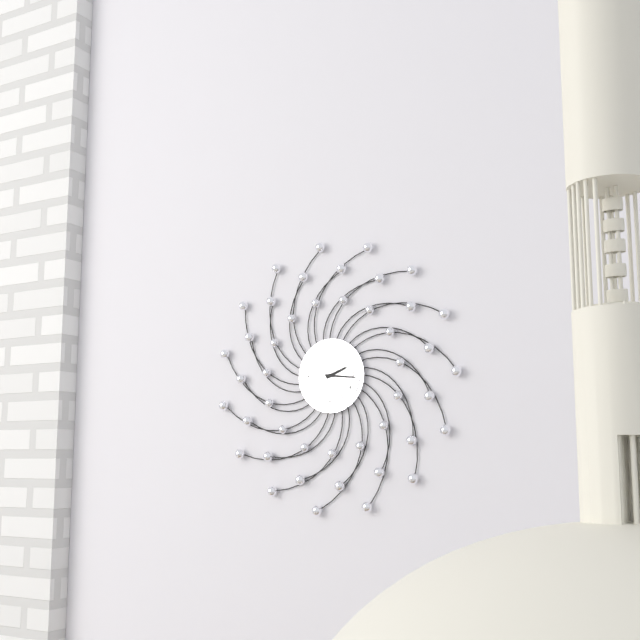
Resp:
2h16
